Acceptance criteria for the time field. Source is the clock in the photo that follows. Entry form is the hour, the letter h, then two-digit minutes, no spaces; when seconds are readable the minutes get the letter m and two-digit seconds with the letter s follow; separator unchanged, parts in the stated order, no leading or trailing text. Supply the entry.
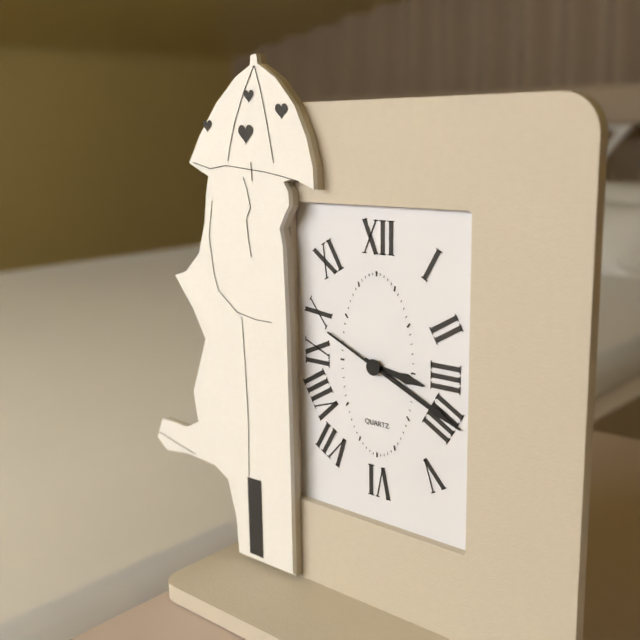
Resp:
3h19m49s
